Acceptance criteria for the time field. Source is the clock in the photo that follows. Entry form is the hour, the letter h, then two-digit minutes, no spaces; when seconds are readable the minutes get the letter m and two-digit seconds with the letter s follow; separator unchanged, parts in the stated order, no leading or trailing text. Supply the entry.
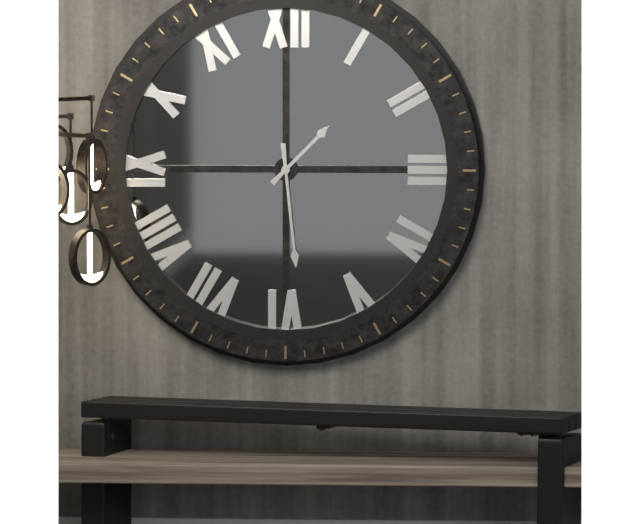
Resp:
1h29
